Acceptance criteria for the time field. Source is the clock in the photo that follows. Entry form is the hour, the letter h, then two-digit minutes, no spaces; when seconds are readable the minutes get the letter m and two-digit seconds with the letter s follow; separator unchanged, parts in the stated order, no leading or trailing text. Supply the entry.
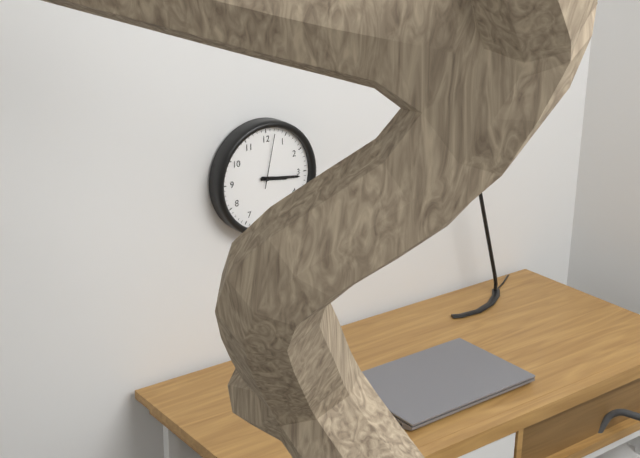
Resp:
3h16m02s
